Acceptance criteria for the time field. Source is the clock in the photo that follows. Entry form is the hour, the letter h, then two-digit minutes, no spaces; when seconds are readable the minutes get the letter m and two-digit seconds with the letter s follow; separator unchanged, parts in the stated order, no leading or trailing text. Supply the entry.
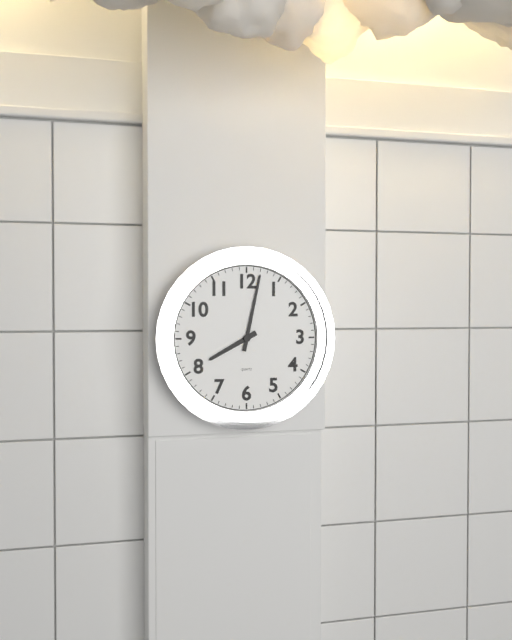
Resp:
8h02
